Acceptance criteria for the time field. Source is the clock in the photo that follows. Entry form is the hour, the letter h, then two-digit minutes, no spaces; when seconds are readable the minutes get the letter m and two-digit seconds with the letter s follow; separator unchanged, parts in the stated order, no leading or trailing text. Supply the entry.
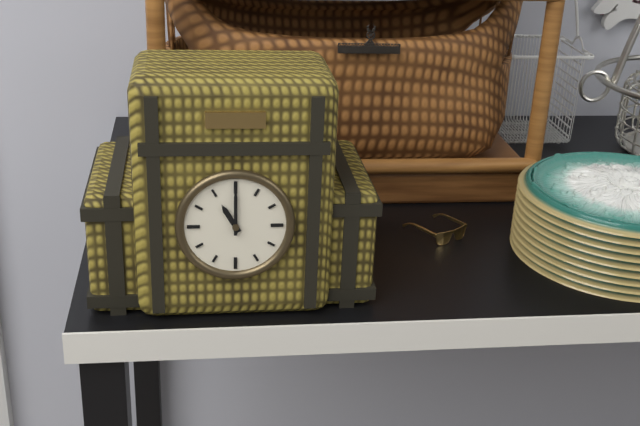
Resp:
11h00
